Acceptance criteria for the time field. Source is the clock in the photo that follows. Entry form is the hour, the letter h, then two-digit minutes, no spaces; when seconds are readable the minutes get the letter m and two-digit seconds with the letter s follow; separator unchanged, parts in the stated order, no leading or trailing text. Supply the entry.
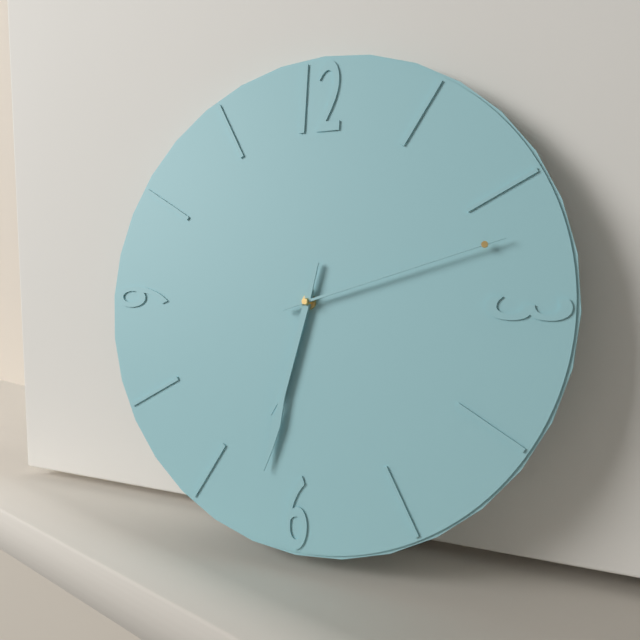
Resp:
6h32m12s
